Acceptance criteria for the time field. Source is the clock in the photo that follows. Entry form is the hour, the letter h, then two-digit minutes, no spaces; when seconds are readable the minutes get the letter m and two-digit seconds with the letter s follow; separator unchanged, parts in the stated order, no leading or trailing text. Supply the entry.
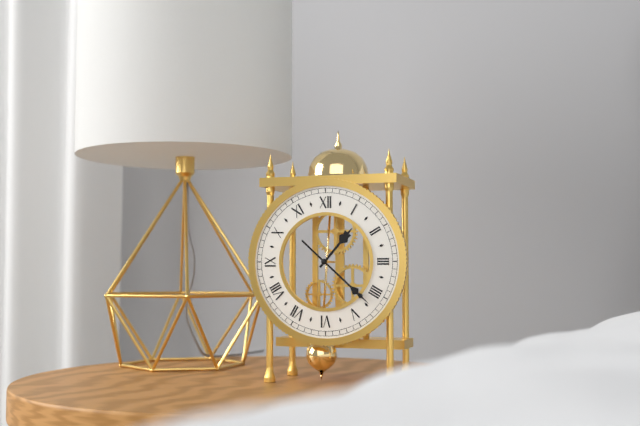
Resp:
1h22
